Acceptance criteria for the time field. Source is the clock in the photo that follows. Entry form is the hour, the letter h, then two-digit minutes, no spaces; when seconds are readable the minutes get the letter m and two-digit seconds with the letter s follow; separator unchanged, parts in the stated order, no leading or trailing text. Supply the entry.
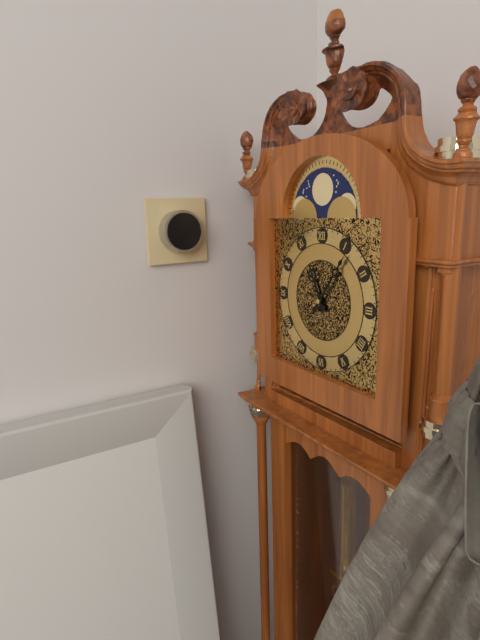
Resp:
11h06
